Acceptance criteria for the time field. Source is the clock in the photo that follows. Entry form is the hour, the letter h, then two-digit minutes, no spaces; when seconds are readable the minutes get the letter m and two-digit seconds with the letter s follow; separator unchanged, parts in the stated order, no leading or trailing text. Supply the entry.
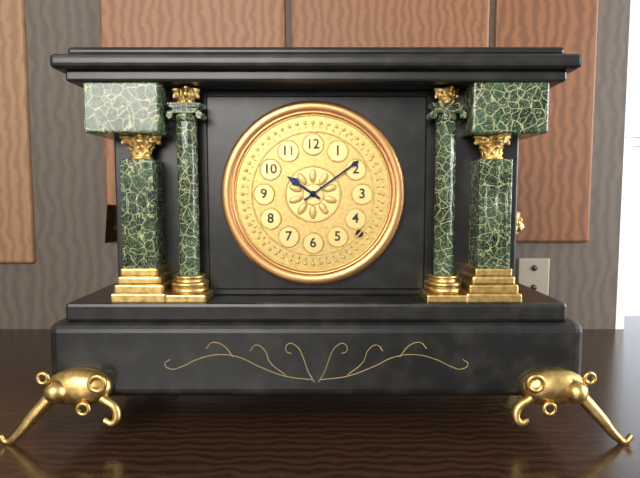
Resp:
10h09
